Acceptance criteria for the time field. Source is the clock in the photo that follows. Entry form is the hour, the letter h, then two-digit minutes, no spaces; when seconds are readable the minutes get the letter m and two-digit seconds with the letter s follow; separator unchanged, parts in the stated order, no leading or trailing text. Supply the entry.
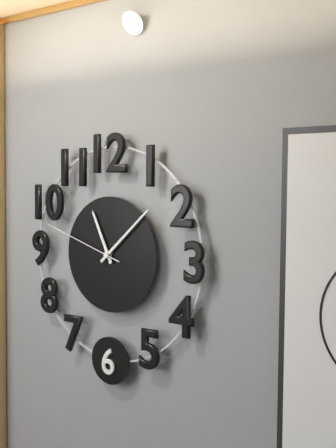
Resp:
11h08m48s
